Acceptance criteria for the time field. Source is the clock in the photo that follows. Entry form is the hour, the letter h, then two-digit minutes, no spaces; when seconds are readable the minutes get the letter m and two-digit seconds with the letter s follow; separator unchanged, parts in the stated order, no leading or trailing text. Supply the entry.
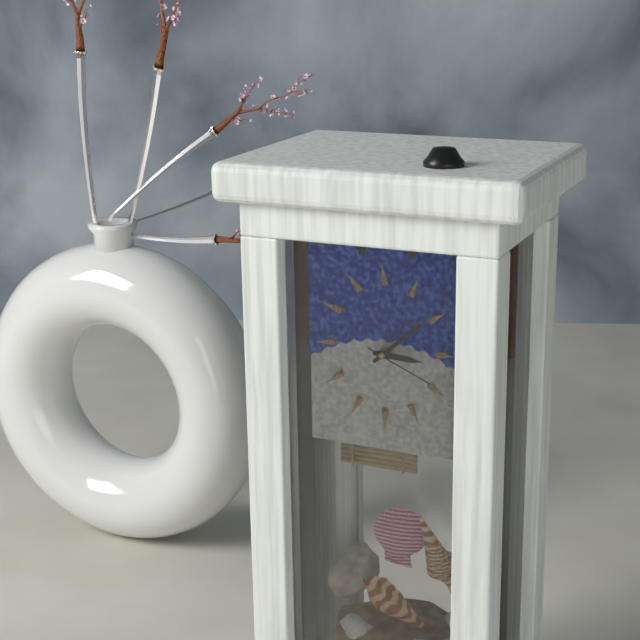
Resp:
3h08m19s
